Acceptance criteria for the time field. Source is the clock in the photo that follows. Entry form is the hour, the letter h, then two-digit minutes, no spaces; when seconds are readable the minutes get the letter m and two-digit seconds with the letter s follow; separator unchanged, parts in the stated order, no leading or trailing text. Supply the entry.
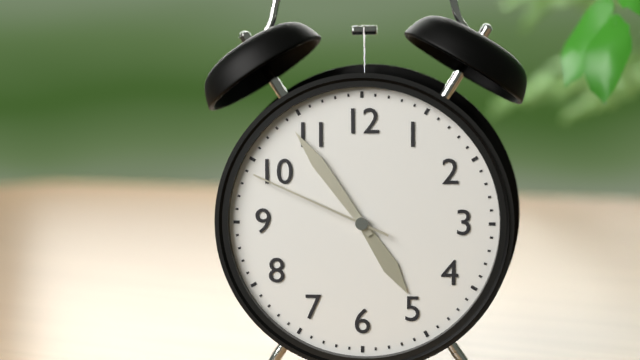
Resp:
4h54m49s
